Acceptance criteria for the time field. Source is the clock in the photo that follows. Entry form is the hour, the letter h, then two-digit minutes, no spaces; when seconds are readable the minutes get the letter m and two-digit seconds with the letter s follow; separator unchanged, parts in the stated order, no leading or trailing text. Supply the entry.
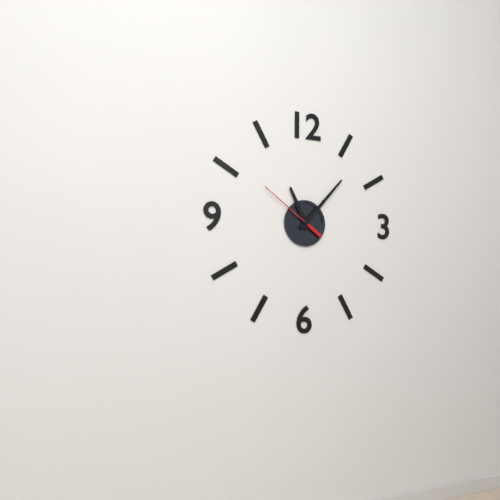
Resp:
11h07m51s
